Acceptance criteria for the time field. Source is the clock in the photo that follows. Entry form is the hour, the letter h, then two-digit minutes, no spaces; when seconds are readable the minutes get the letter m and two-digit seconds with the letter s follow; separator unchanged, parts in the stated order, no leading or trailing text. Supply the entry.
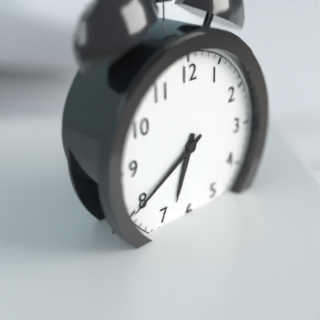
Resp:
6h40
